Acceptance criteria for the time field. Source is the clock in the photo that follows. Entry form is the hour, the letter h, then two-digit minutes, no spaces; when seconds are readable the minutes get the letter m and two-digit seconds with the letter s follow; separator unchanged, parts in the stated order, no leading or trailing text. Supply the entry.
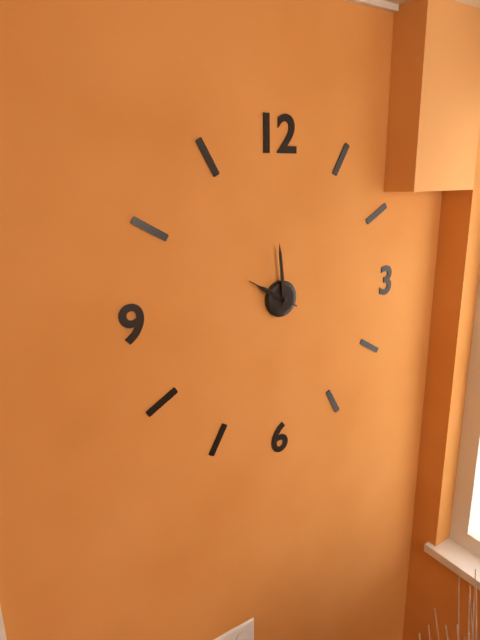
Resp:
9h59
